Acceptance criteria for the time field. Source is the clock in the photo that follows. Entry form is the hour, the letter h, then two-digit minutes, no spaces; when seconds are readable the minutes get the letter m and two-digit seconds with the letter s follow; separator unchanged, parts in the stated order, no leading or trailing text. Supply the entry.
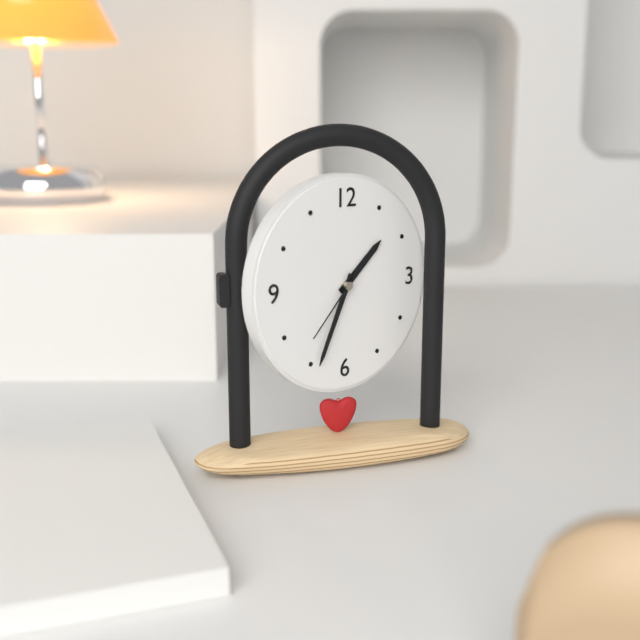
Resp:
1h34m37s
